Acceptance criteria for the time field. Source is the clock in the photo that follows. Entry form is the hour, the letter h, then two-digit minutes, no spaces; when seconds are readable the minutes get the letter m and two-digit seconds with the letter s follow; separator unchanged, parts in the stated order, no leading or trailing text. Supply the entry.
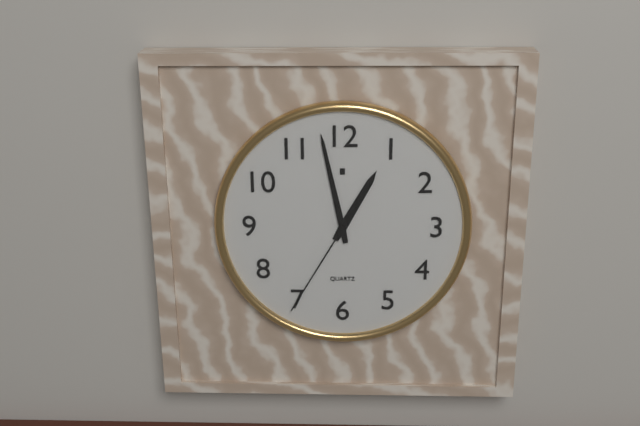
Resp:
12h58m35s
